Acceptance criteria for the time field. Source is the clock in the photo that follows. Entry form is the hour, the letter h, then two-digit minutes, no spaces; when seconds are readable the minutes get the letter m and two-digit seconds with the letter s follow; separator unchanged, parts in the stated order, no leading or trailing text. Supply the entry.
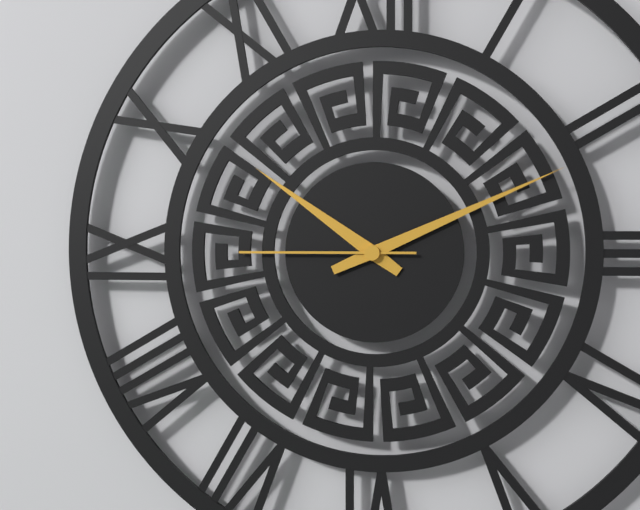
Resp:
10h11m45s
